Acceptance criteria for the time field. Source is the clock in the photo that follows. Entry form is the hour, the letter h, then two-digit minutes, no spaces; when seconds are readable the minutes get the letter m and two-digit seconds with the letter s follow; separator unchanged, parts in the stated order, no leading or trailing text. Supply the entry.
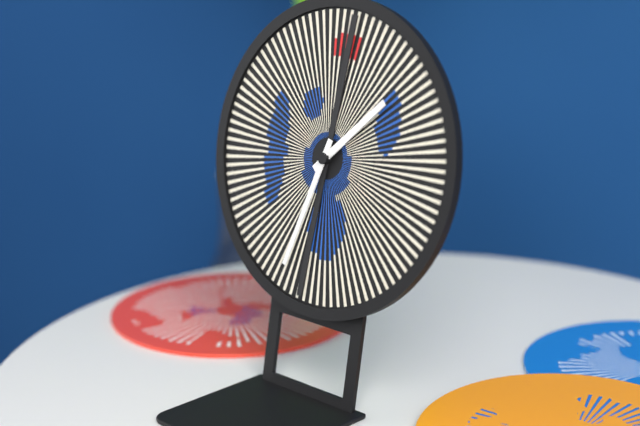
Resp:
1h33
